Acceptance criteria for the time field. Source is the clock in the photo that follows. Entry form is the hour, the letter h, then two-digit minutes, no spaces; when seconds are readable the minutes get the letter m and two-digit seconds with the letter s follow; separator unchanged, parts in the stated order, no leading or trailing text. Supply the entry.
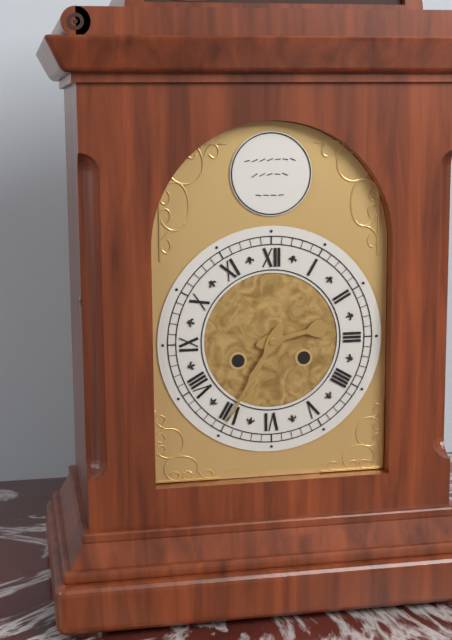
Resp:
2h35
